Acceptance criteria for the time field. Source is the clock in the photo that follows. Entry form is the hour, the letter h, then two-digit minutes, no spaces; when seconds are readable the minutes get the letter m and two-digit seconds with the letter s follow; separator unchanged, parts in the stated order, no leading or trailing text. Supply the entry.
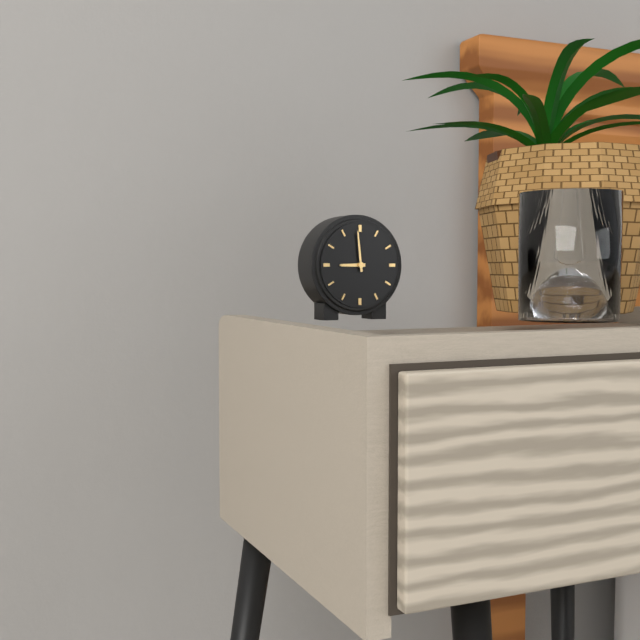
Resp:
8h59
